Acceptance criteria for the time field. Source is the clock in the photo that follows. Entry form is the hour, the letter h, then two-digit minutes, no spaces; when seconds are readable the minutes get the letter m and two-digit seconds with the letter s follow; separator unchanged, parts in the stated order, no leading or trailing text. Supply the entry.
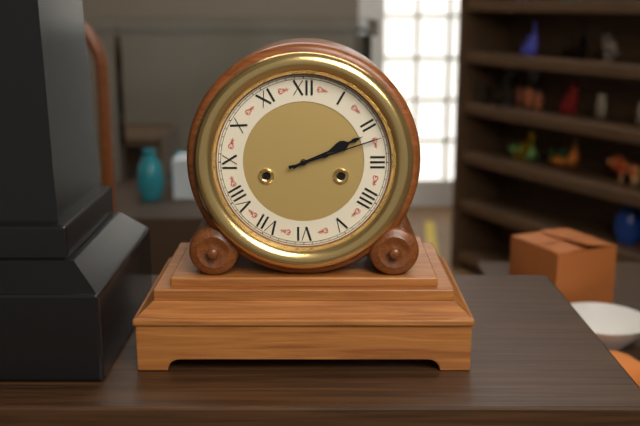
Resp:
2h12
